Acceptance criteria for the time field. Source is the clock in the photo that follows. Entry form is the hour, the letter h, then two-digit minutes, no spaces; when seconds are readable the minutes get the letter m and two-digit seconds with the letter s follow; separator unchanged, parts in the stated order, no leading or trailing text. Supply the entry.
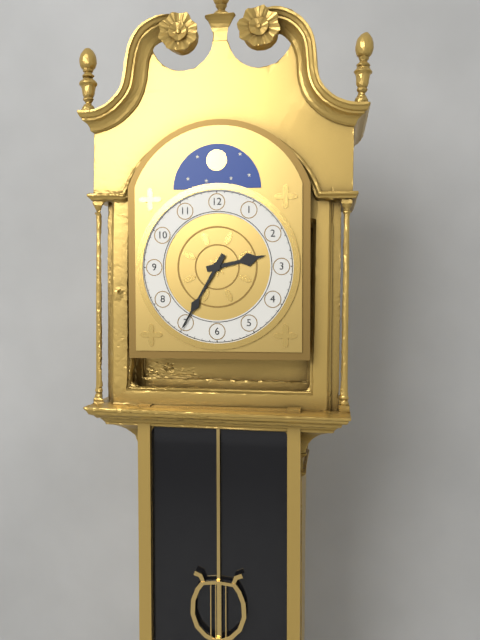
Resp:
2h35
